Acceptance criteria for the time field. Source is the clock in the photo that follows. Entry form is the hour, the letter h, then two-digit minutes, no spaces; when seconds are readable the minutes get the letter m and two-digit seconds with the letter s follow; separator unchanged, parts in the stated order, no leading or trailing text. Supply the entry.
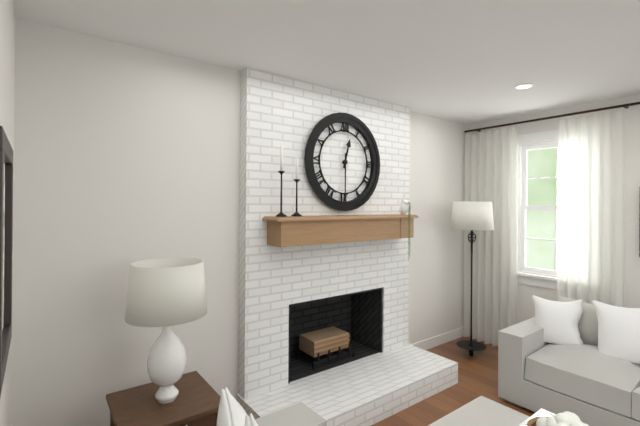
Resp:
12h30
